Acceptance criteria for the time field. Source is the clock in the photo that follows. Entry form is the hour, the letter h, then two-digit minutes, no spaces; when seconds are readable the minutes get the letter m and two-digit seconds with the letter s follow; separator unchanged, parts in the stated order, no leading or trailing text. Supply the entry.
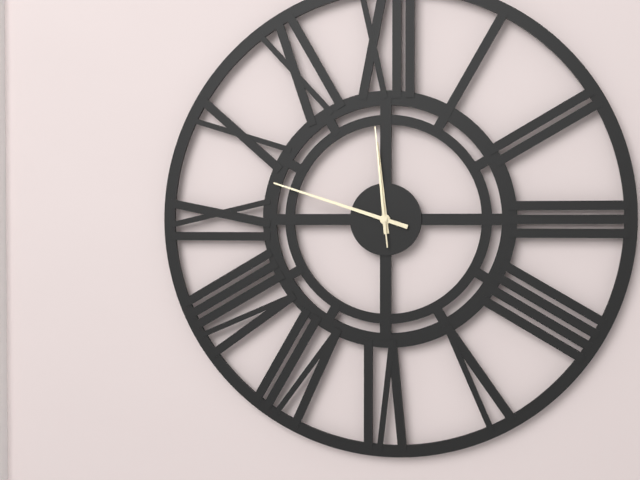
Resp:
11h48m59s
